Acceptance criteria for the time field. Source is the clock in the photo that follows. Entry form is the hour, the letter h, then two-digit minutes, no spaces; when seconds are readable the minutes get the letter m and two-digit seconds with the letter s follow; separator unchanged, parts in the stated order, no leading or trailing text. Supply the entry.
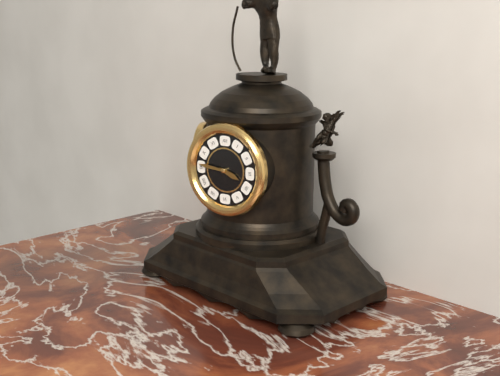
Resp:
3h46
